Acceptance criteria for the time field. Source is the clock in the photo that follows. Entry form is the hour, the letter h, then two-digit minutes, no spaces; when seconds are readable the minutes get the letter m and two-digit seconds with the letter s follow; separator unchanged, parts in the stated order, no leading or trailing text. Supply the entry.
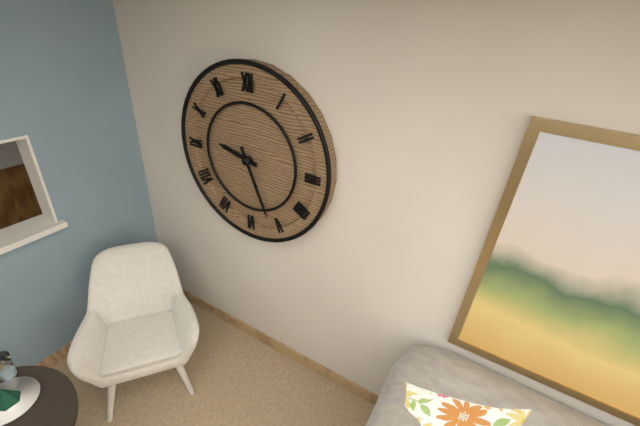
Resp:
9h26
